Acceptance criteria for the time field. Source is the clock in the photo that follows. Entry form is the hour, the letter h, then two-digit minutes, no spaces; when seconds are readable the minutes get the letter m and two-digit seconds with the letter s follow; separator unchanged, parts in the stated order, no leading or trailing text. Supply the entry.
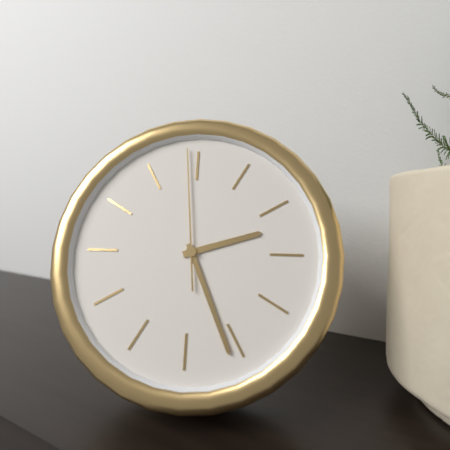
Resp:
2h26m59s
